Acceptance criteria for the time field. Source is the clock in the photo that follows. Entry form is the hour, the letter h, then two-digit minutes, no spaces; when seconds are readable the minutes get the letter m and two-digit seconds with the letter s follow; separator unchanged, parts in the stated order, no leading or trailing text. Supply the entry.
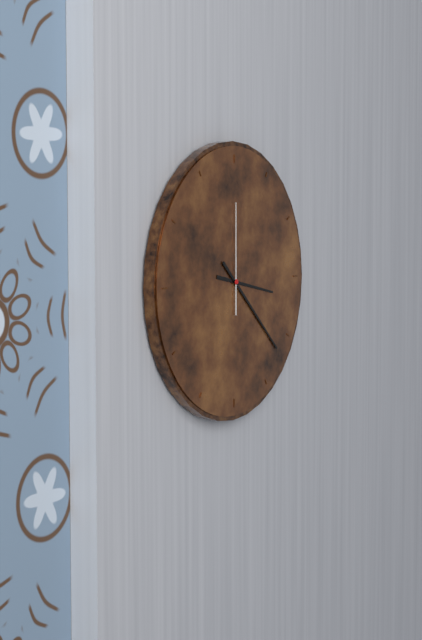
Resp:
3h22m00s
